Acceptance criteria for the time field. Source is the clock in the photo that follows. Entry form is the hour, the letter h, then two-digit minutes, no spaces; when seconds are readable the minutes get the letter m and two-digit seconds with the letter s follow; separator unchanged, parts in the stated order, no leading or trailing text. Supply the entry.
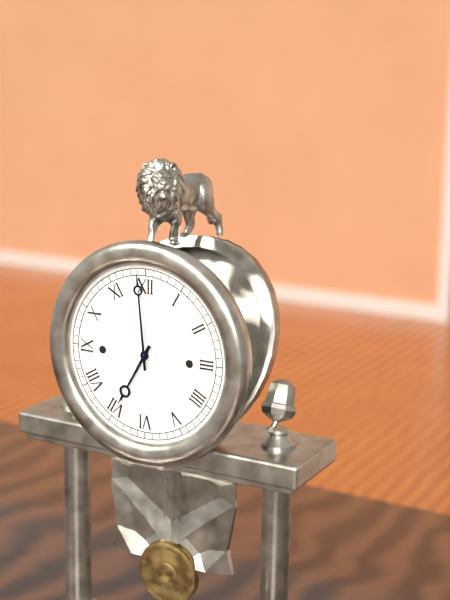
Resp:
6h59
